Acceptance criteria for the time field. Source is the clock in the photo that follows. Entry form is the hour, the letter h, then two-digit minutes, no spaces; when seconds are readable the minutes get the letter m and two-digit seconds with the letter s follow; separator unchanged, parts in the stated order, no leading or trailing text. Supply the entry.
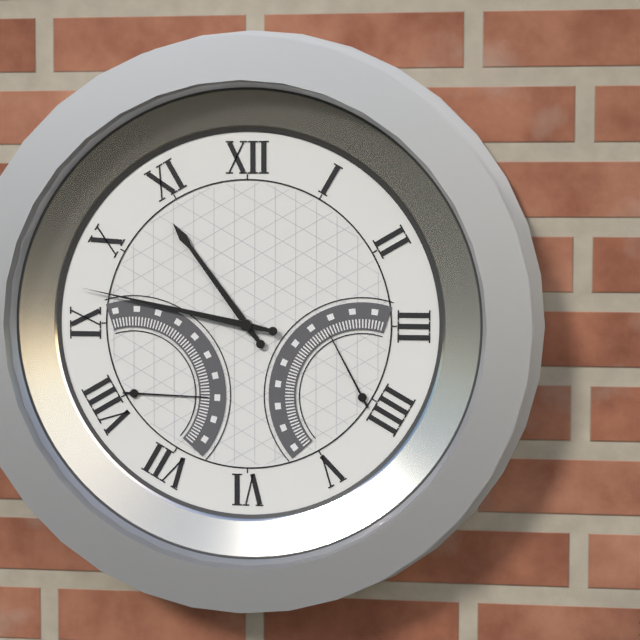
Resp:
10h47
